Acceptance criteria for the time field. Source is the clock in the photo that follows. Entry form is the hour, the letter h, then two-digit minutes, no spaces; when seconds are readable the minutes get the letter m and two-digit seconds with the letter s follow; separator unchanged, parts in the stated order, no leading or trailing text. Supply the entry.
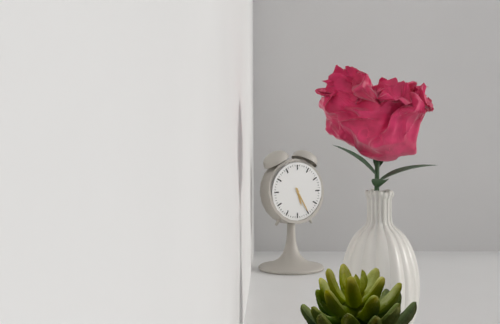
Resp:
5h25
